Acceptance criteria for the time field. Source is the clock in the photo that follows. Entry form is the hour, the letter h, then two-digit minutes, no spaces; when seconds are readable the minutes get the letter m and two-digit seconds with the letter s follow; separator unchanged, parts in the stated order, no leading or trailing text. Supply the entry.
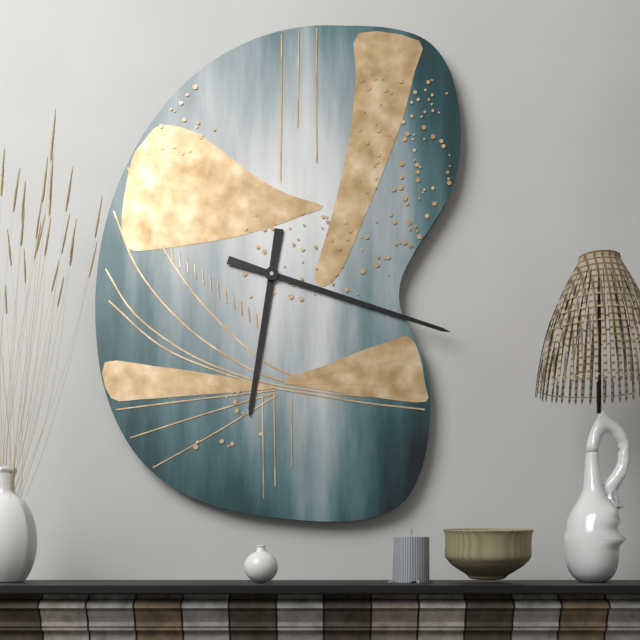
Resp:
6h18
